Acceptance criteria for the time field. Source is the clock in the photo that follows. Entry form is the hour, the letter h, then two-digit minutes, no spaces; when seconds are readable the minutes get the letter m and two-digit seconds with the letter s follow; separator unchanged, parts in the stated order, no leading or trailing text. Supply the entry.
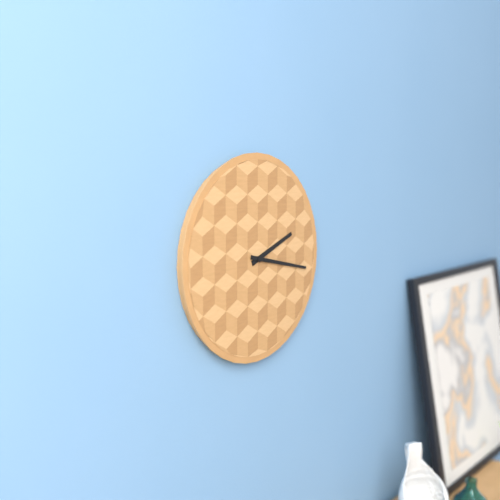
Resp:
2h17
